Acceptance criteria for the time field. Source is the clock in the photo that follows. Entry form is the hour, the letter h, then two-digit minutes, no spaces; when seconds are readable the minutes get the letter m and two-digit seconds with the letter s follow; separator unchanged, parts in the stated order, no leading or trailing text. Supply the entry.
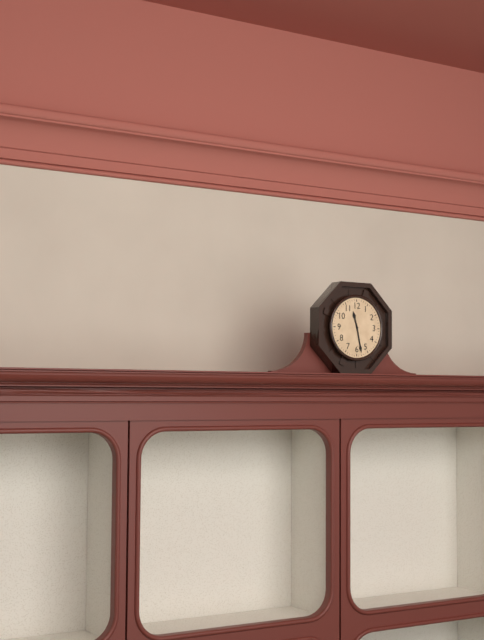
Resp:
11h28
